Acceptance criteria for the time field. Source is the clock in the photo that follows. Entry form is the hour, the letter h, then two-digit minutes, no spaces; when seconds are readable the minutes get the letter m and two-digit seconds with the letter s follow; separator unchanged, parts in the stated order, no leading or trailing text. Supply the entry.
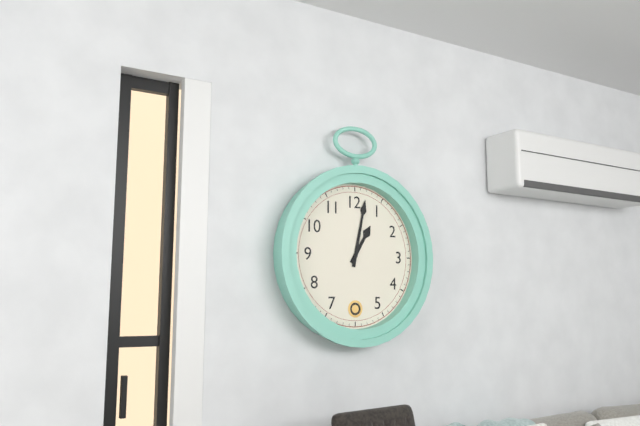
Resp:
1h02
